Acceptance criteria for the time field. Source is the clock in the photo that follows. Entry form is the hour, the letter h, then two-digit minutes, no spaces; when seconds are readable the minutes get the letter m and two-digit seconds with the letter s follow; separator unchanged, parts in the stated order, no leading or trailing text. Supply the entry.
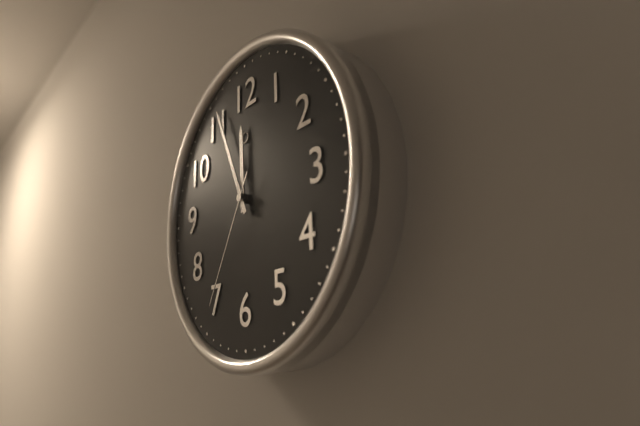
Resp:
11h56m35s
